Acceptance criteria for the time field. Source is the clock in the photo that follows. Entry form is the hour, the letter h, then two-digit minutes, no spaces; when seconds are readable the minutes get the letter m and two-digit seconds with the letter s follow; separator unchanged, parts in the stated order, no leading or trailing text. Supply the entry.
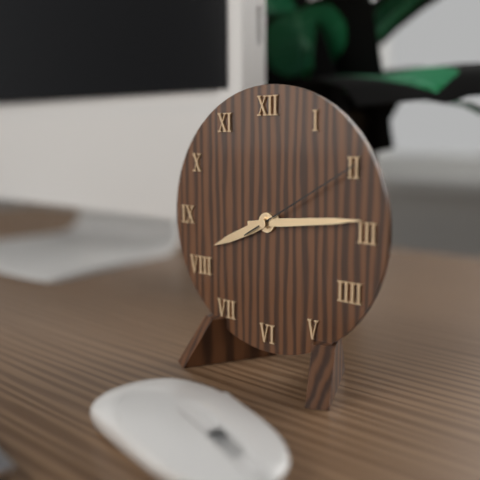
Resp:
8h14m10s
